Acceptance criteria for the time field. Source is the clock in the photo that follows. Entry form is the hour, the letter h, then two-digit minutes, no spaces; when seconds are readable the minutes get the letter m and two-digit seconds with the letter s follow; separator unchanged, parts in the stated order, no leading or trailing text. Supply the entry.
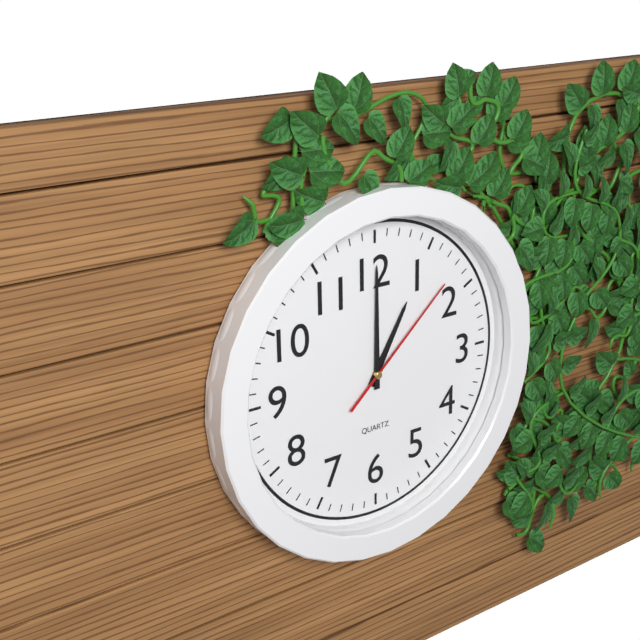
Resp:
1h00m08s
